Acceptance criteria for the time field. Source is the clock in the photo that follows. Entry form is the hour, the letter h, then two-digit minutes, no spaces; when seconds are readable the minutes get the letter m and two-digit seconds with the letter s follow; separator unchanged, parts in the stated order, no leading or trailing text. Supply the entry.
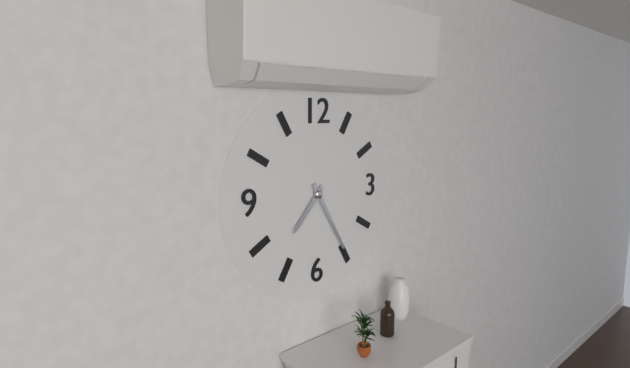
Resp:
7h25
